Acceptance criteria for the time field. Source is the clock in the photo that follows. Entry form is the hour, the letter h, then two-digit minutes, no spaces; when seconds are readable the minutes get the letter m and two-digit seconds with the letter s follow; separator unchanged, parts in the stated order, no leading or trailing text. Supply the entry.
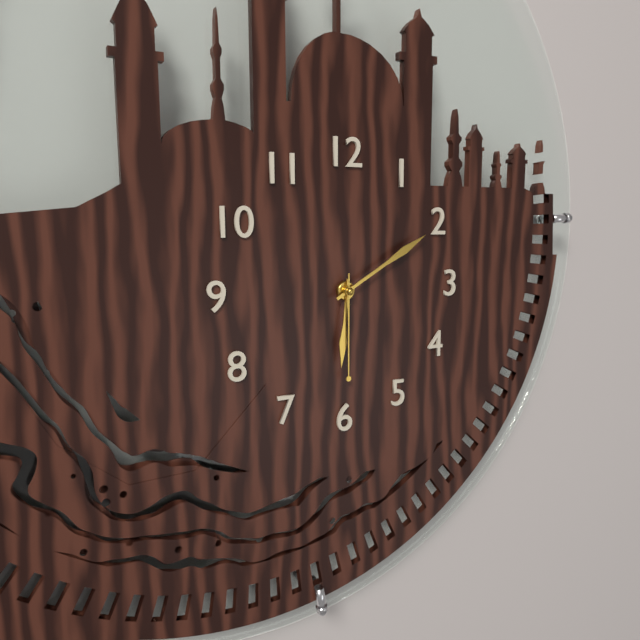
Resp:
6h10m30s
